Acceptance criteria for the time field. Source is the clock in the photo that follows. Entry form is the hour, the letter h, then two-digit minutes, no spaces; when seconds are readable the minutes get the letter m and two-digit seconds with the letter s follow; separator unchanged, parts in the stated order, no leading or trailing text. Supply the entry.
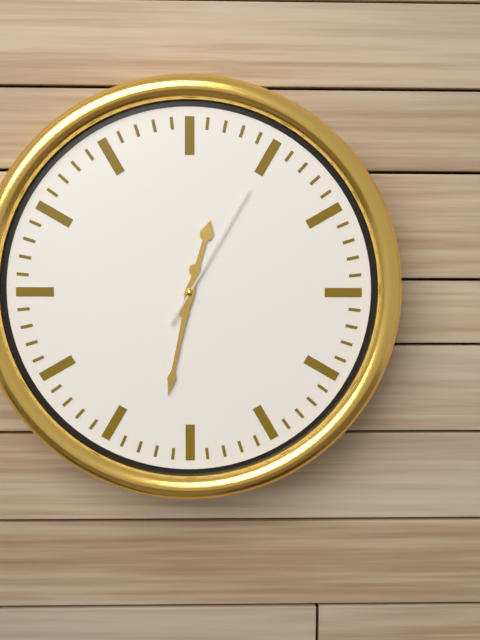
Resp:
12h32m05s
